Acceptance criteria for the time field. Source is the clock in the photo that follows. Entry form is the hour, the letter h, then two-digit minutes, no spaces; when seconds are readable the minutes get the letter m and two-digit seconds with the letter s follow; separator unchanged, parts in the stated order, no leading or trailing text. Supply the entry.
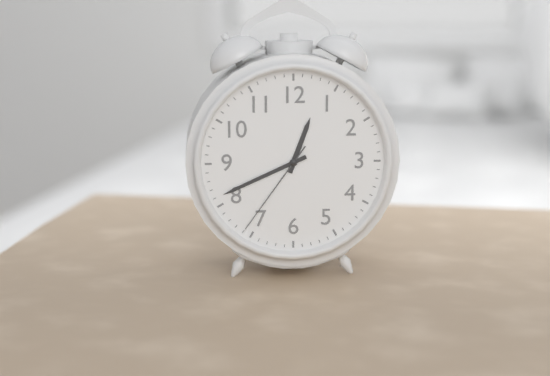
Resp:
12h41m36s
